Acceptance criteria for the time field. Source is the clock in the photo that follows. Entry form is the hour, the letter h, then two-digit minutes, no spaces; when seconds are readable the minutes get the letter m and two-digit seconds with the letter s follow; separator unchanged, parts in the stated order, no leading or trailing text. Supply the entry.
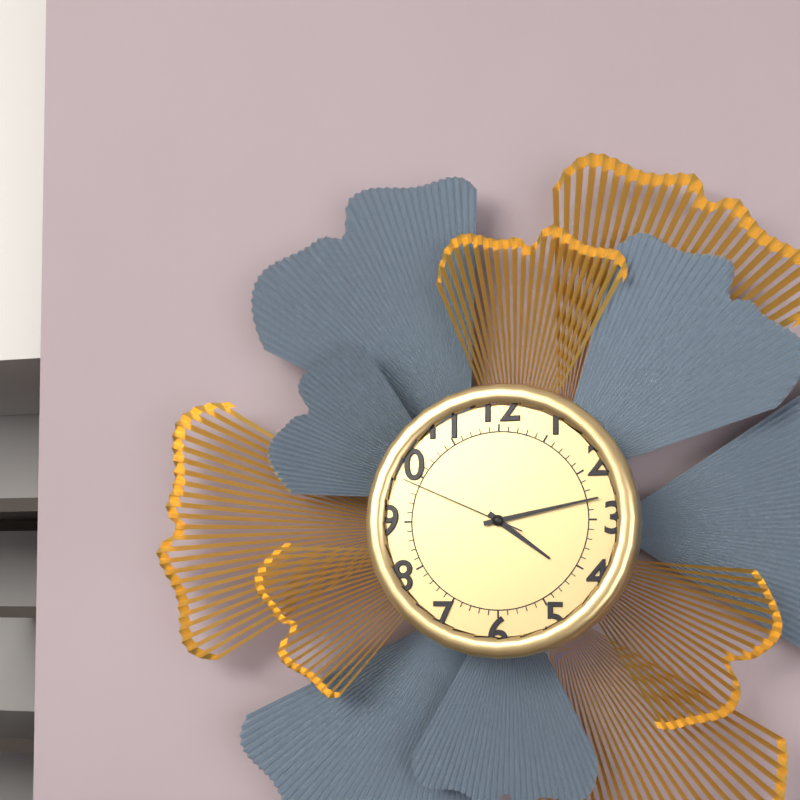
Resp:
4h13m49s
